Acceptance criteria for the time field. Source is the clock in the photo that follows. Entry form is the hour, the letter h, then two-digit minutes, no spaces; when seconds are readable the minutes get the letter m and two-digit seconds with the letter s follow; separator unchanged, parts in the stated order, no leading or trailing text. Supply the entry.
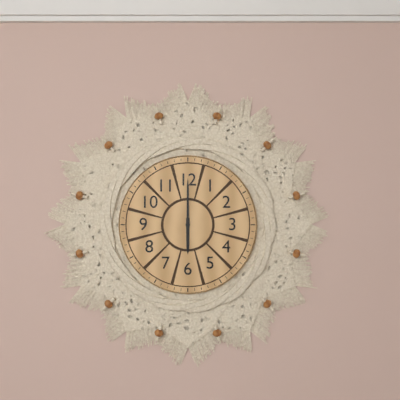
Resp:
6h00
